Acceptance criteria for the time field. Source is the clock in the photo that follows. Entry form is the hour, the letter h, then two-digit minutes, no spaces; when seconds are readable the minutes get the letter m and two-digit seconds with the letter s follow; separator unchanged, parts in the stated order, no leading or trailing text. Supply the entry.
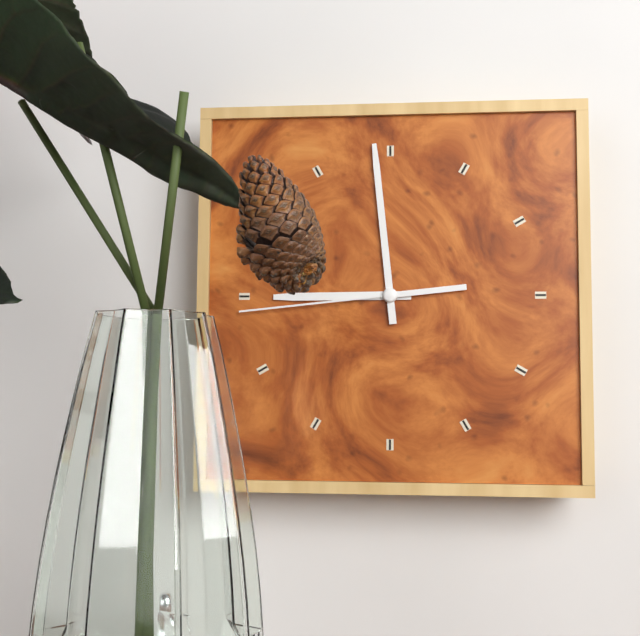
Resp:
8h59m44s
